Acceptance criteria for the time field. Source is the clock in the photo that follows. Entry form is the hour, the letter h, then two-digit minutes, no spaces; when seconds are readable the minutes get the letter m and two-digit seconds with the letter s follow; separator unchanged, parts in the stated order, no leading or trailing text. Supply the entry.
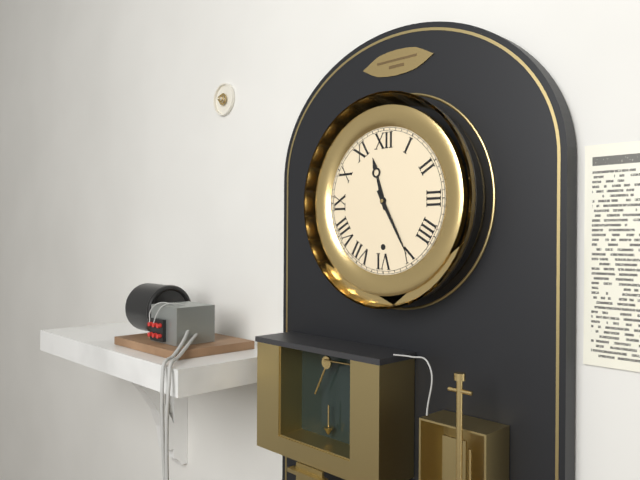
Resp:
11h25
